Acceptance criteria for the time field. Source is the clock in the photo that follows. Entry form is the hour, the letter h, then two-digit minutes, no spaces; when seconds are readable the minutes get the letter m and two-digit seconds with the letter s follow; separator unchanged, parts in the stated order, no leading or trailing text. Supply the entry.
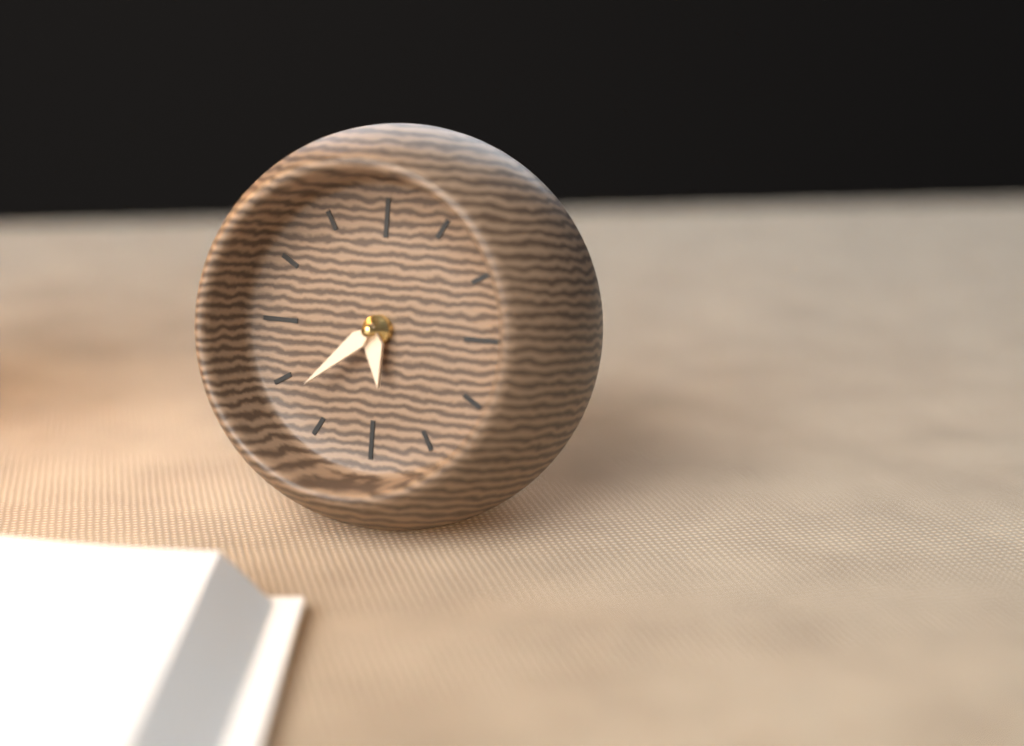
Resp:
5h38
